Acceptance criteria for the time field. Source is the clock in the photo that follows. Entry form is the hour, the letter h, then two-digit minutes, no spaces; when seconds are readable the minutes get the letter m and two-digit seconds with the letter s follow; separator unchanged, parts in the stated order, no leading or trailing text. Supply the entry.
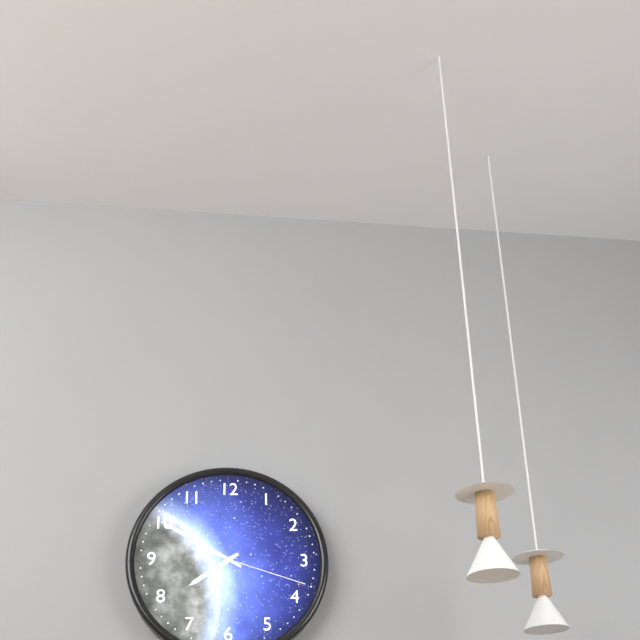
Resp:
7h50m18s
